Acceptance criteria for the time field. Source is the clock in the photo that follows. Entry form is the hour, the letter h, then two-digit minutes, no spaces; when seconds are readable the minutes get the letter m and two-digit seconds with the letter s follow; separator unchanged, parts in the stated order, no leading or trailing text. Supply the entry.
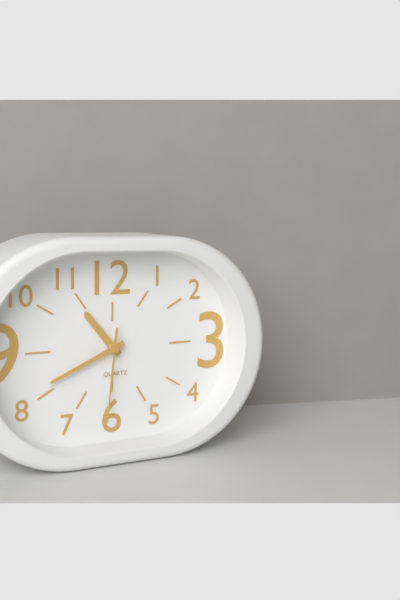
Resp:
10h41m31s
